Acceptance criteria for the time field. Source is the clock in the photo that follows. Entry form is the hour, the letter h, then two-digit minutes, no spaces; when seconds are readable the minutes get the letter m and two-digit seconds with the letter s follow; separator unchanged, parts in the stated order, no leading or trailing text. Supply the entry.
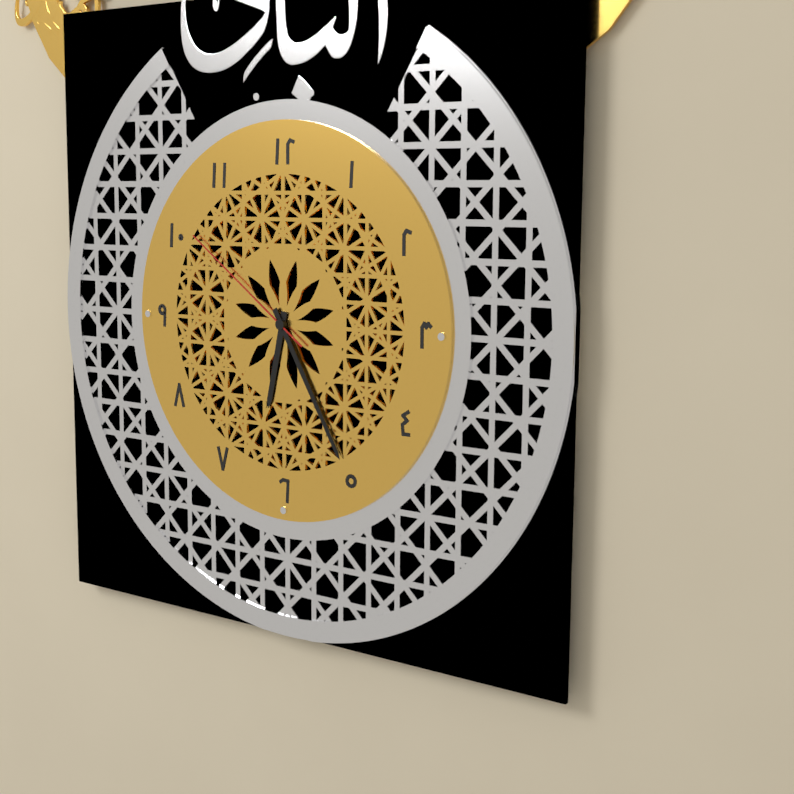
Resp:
6h25m51s
